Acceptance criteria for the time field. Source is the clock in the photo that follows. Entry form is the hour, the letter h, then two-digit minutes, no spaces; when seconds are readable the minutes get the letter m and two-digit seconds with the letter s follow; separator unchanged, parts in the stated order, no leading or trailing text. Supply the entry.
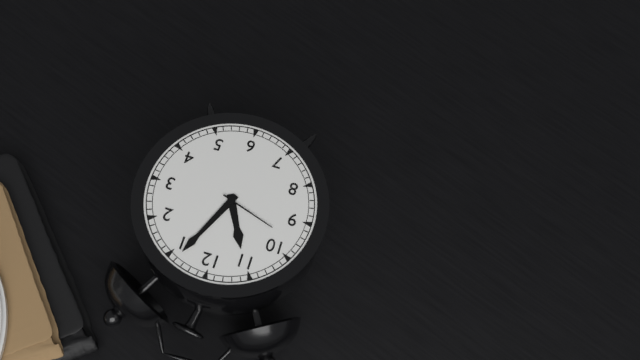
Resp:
11h04m48s
